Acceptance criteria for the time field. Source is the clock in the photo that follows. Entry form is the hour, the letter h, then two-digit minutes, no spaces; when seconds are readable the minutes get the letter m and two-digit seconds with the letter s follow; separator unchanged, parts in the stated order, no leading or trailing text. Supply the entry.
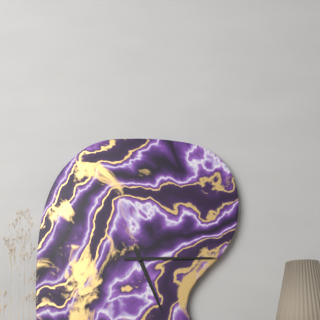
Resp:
5h15
